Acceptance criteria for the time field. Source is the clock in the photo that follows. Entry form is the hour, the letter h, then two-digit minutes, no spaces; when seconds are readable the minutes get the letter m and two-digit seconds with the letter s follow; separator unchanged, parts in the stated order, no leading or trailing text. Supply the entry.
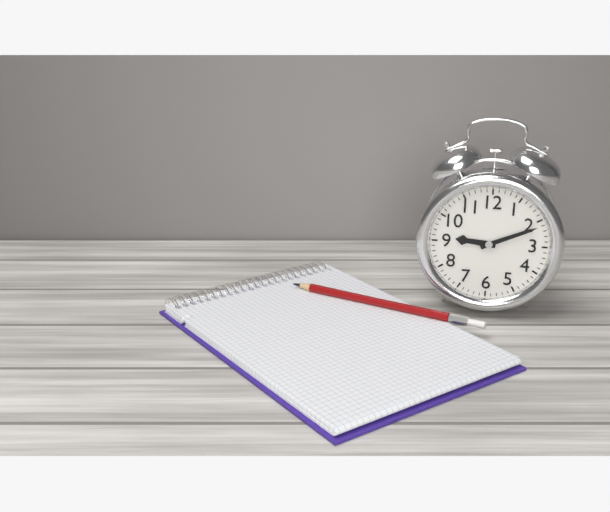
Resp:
9h11
